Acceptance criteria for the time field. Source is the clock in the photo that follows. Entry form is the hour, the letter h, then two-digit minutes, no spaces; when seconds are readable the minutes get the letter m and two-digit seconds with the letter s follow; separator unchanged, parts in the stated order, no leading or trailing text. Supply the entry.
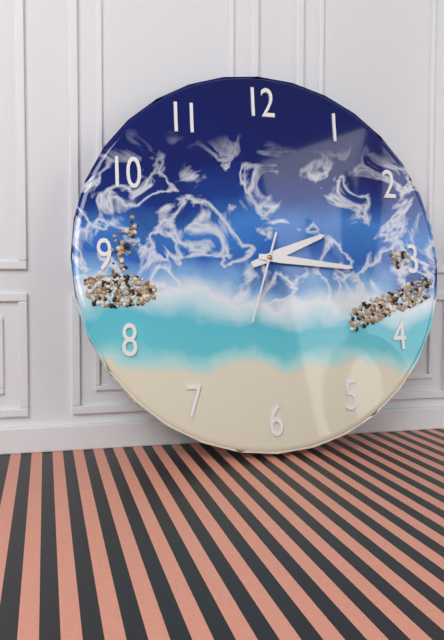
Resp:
2h16m33s
